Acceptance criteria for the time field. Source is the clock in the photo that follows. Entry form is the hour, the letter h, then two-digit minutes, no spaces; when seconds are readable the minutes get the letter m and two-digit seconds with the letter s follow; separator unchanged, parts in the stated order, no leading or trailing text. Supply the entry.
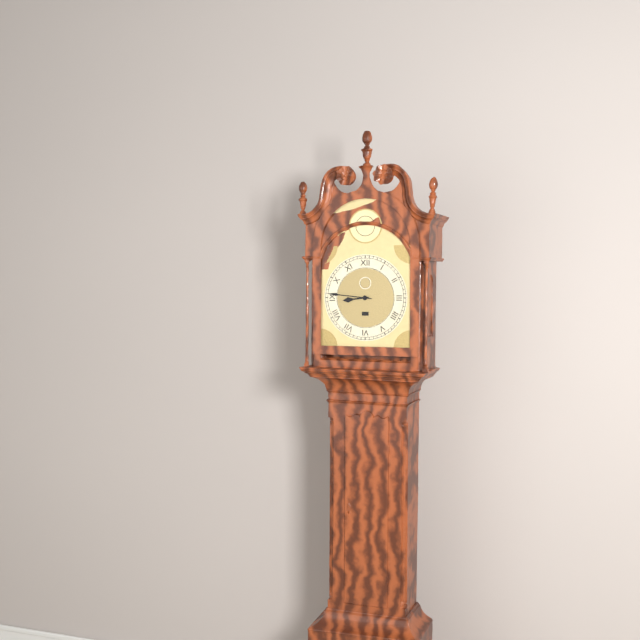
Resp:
8h46
